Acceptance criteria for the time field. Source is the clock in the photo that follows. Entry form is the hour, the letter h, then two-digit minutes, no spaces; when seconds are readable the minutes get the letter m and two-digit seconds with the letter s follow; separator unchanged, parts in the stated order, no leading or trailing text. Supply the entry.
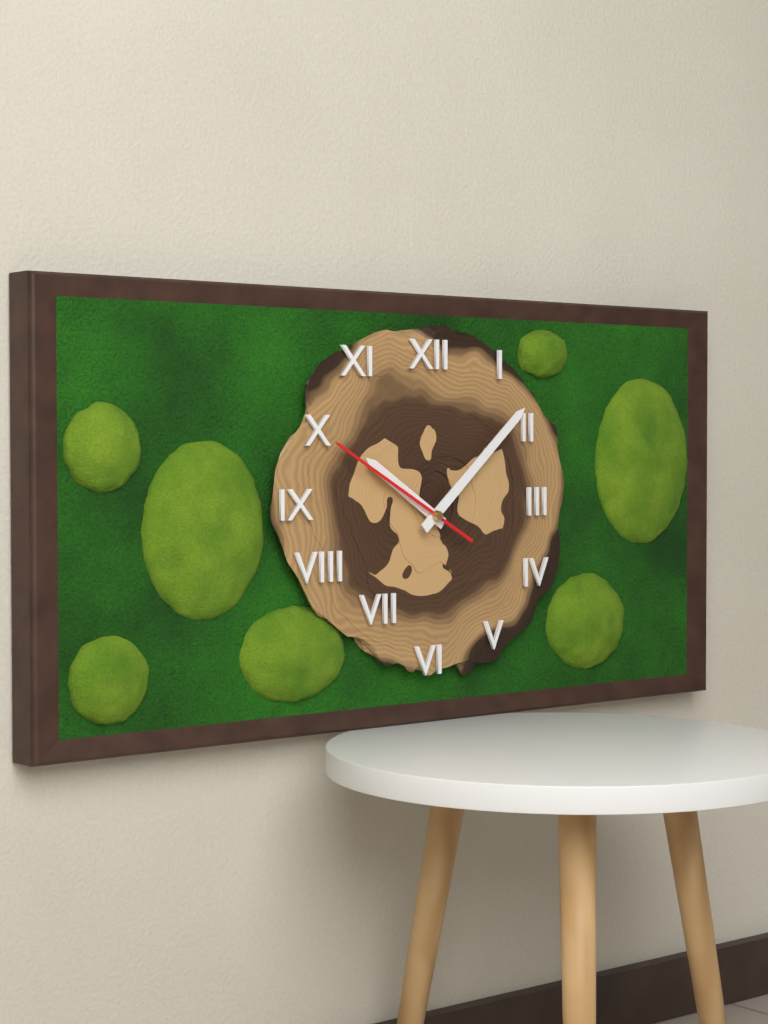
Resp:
10h08m50s
